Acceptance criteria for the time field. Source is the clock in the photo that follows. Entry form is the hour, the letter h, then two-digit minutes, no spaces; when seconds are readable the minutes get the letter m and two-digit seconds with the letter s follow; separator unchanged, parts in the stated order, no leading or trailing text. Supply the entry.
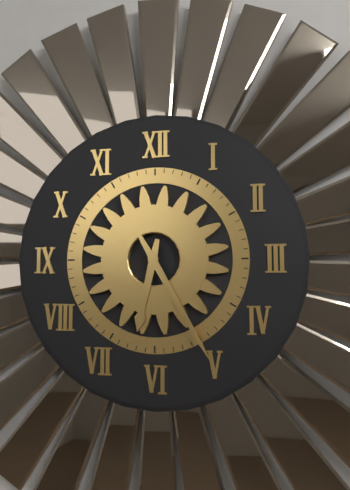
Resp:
6h25
